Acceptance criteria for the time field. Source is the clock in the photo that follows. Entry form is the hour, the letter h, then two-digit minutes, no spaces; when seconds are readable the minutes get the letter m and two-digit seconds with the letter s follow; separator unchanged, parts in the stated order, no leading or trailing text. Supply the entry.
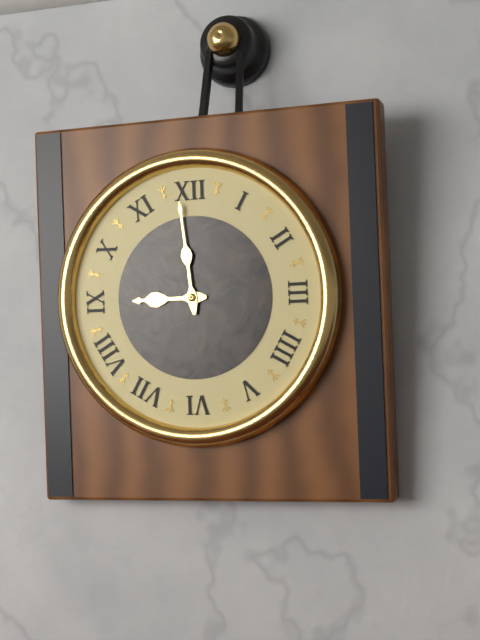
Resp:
8h59
